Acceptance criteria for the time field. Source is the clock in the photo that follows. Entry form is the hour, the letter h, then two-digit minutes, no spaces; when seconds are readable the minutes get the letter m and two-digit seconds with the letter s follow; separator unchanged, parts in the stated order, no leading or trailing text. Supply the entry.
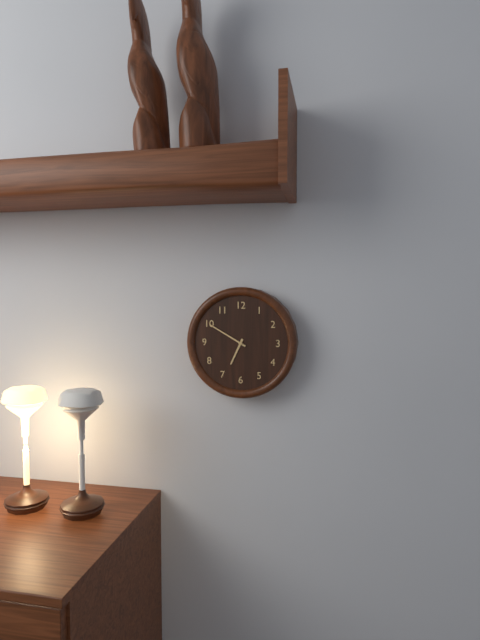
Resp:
6h50
